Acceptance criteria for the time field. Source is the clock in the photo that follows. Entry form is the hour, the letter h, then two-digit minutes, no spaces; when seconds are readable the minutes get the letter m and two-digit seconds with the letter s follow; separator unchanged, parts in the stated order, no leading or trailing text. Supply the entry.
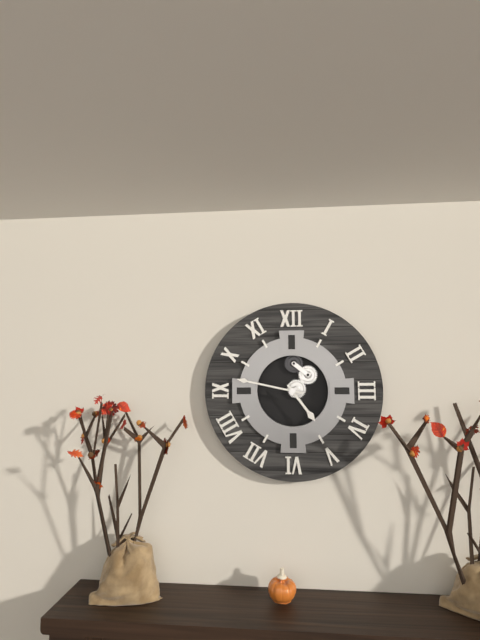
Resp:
4h47
